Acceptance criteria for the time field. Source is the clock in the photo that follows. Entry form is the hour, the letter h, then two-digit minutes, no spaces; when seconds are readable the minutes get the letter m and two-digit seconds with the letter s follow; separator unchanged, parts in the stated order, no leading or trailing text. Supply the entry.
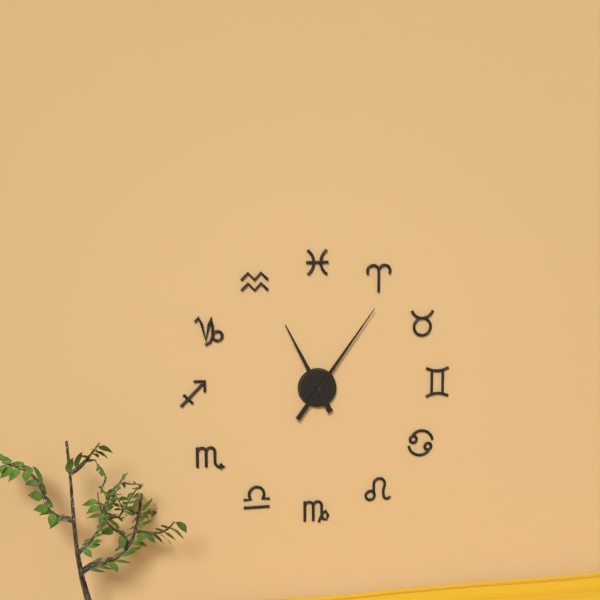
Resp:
11h06
